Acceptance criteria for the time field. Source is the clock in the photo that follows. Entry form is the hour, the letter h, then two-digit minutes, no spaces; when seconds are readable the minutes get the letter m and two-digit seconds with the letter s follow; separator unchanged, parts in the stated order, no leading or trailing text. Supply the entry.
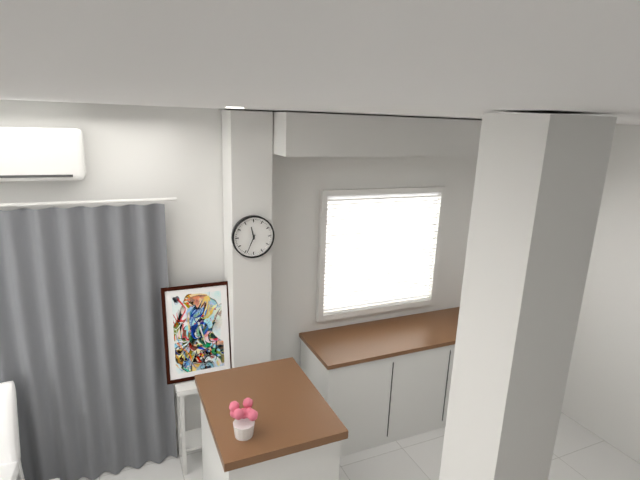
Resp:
11h34
